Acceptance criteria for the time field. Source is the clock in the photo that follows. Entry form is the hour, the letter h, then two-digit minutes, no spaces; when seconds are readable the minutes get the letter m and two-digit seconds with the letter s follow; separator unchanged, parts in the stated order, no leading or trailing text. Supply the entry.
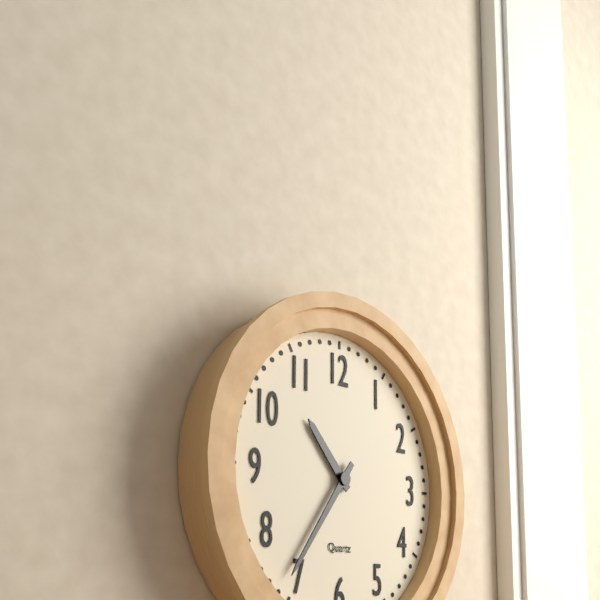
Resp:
10h36
